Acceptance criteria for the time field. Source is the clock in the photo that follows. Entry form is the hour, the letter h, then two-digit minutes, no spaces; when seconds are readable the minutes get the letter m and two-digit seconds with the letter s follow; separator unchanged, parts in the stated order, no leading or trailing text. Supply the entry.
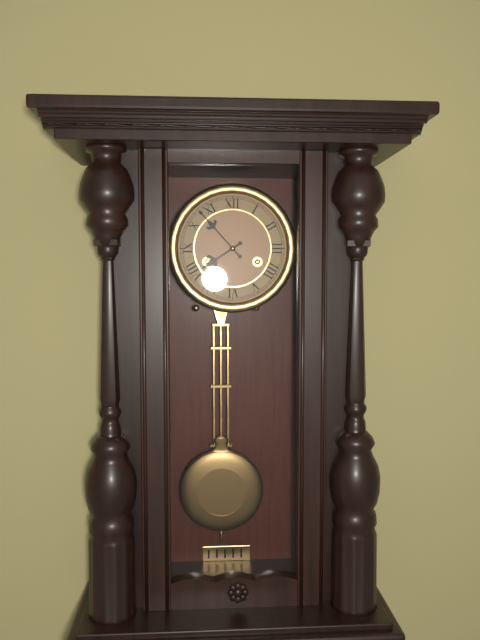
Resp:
7h53
